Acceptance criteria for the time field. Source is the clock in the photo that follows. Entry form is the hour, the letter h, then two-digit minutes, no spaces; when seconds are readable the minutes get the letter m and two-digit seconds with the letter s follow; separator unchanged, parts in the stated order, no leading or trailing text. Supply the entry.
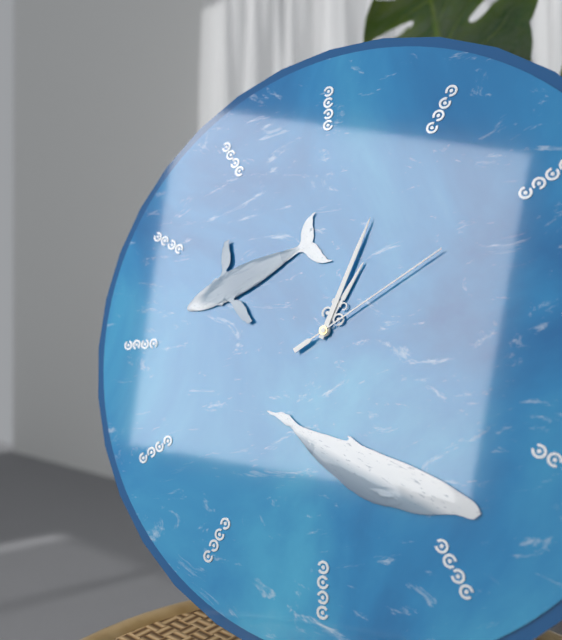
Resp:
1h04m10s
